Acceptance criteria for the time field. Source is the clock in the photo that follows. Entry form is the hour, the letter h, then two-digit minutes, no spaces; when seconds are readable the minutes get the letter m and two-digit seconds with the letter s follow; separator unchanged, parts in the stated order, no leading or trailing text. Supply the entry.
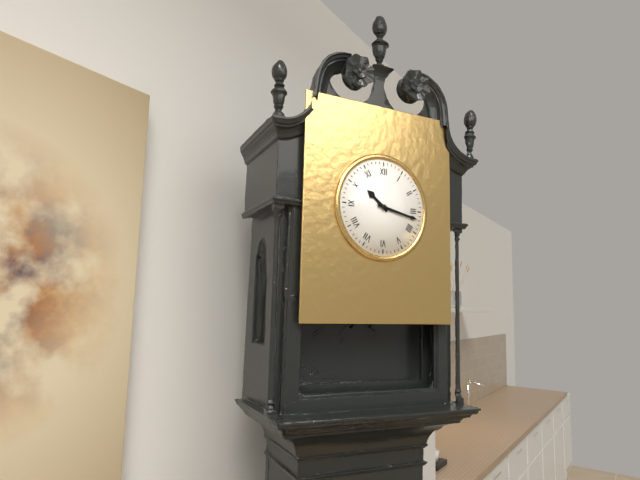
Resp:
10h17
